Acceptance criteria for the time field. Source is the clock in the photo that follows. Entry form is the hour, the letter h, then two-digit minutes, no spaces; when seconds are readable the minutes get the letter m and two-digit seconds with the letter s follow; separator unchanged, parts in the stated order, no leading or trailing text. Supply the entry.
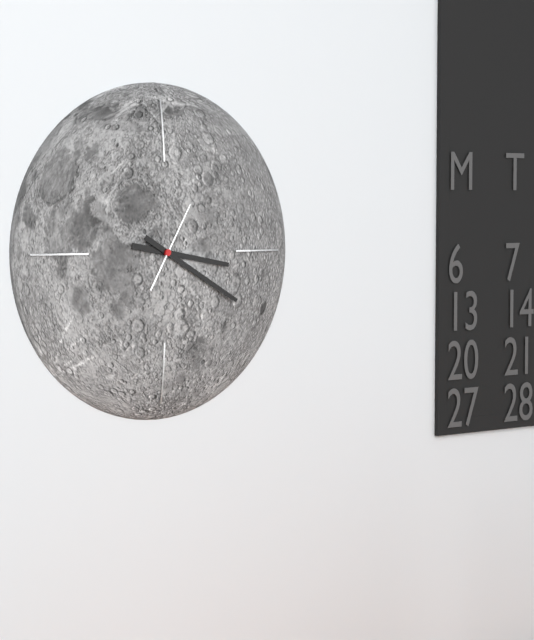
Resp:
3h20m05s
